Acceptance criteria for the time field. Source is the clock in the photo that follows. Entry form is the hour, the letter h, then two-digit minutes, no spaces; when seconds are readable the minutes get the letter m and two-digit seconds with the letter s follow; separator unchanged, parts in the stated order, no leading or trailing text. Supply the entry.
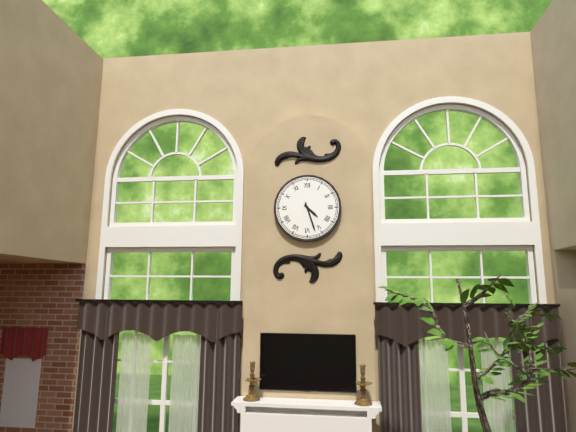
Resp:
4h27
